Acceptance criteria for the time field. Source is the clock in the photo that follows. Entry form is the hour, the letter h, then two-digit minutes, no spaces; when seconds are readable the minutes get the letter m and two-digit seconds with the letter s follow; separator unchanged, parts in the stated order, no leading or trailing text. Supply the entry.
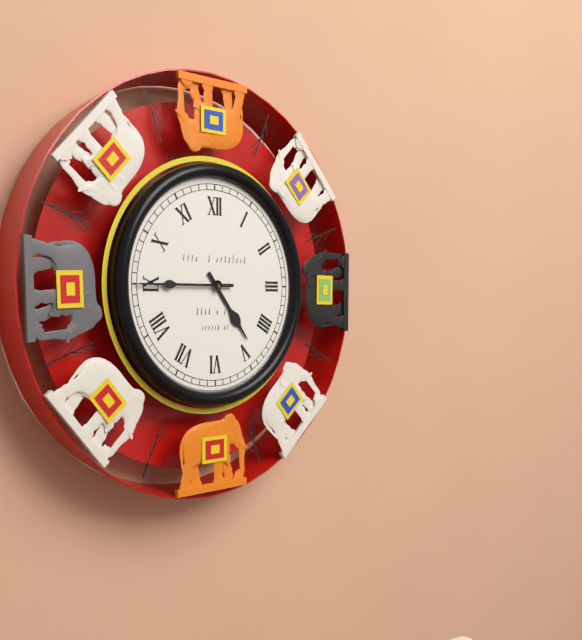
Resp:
4h45
